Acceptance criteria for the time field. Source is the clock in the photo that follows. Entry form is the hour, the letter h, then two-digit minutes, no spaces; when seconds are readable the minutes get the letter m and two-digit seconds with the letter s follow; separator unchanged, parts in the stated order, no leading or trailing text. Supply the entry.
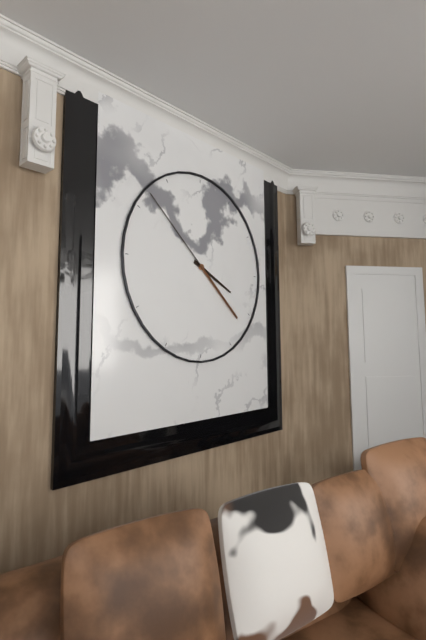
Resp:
3h52
